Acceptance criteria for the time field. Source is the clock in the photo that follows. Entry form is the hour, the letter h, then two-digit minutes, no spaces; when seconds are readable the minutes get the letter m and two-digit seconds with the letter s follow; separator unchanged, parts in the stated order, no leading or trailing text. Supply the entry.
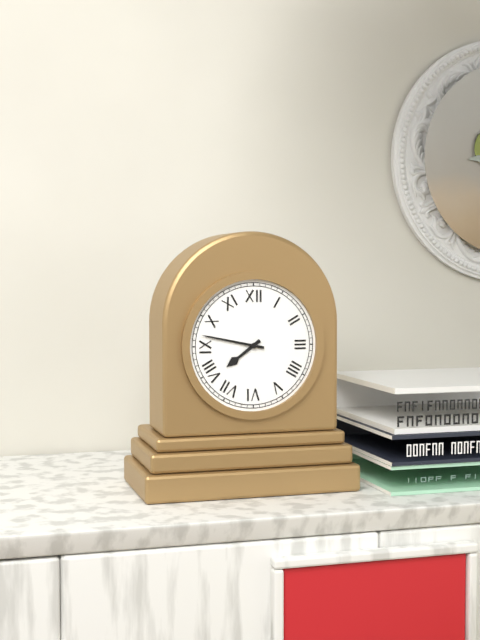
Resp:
7h47
